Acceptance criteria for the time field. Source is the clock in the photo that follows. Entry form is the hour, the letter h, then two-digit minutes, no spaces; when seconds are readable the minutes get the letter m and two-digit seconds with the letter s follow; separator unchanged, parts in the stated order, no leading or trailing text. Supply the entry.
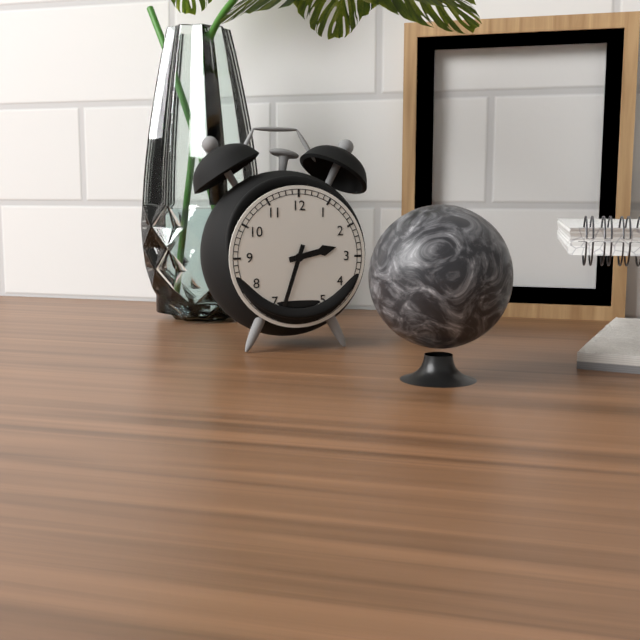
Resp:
2h33
